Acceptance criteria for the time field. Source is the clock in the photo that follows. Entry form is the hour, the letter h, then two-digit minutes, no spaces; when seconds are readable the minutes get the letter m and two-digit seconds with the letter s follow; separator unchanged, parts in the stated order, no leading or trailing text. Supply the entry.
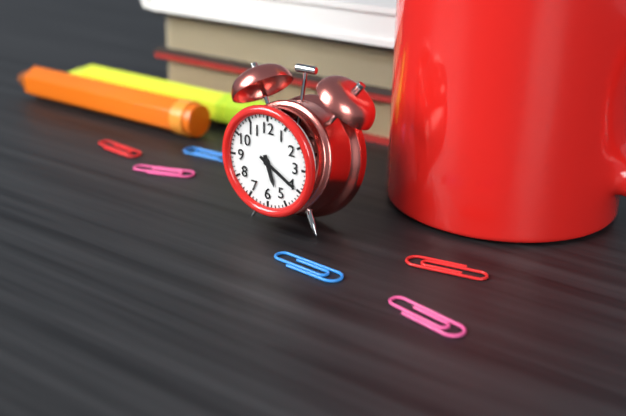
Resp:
5h20
